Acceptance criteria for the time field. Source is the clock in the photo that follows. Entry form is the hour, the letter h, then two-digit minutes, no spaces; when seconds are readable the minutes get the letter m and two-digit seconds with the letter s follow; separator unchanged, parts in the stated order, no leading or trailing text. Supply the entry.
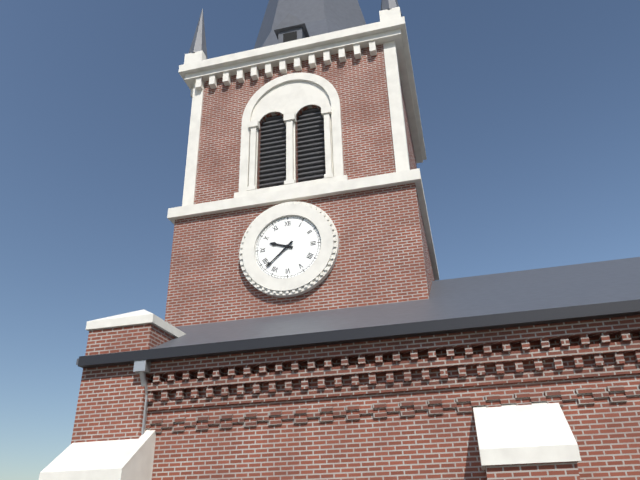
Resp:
9h38
